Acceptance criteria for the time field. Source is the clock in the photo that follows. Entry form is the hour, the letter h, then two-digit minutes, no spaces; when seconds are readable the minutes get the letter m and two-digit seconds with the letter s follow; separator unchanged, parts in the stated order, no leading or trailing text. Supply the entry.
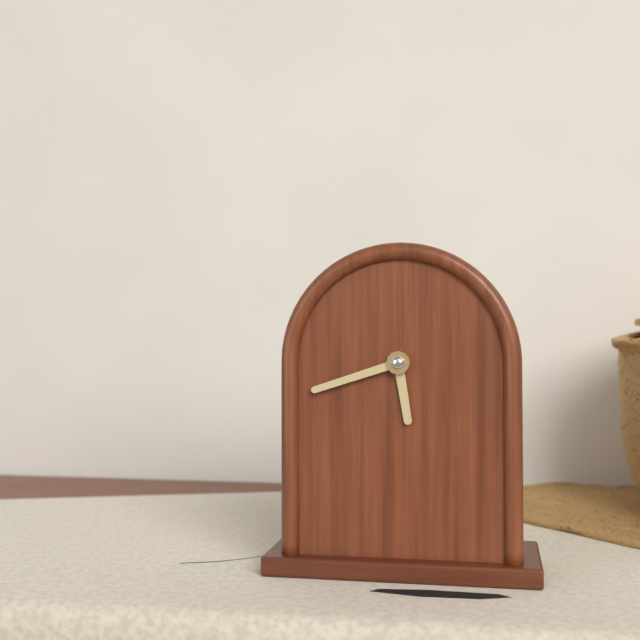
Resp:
5h42
